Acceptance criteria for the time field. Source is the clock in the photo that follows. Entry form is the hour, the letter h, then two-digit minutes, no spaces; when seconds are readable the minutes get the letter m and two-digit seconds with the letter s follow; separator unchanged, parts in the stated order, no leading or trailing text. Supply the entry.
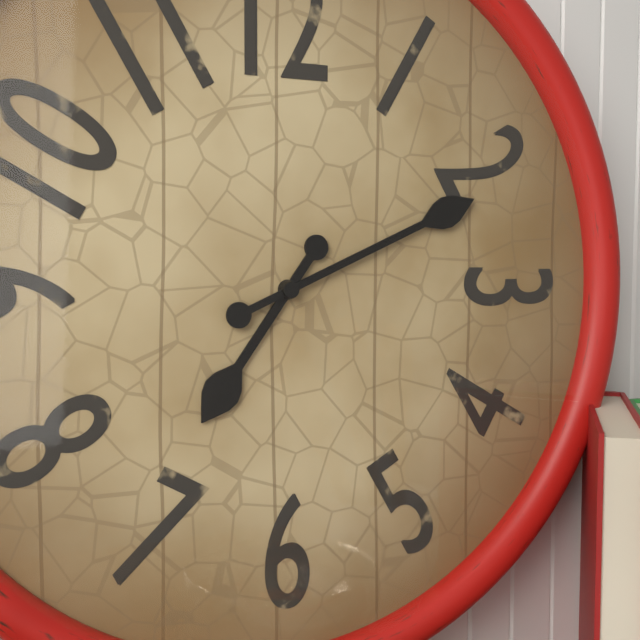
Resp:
7h11
